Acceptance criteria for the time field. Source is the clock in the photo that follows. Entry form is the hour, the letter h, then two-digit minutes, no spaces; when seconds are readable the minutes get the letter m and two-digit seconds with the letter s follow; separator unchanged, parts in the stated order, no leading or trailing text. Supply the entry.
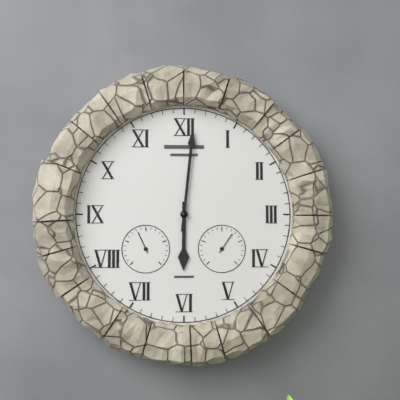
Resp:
6h01
